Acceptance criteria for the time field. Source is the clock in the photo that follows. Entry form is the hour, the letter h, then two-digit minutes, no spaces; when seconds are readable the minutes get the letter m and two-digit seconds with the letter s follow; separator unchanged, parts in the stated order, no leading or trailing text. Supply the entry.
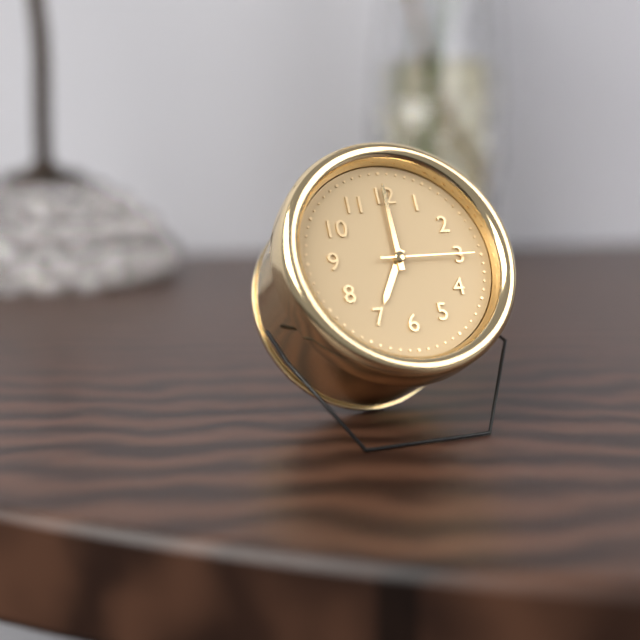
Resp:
7h00m15s
